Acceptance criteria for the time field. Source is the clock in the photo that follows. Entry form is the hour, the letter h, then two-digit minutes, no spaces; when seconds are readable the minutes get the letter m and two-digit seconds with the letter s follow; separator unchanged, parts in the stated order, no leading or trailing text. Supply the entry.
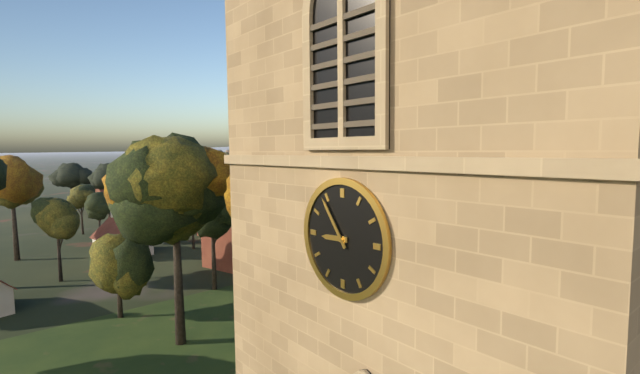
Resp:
8h54
